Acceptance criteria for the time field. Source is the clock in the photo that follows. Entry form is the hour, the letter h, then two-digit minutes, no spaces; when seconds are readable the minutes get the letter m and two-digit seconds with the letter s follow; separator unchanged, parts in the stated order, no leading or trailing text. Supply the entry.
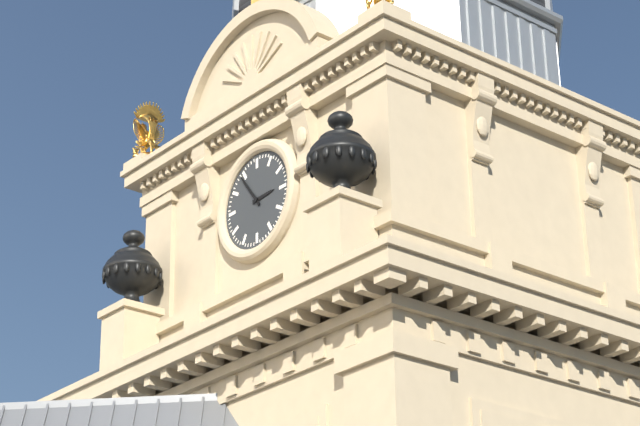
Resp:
2h54
